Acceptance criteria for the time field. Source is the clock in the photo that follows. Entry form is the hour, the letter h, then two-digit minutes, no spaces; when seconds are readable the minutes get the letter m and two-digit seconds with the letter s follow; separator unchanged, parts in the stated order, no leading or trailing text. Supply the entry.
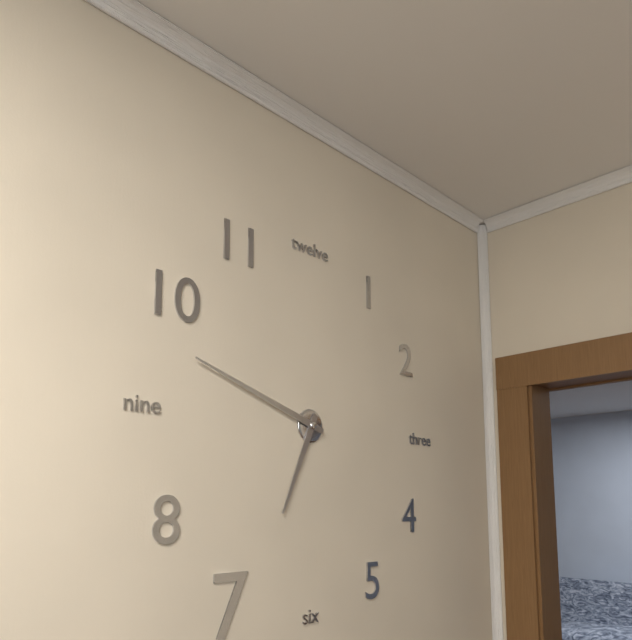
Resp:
6h48
